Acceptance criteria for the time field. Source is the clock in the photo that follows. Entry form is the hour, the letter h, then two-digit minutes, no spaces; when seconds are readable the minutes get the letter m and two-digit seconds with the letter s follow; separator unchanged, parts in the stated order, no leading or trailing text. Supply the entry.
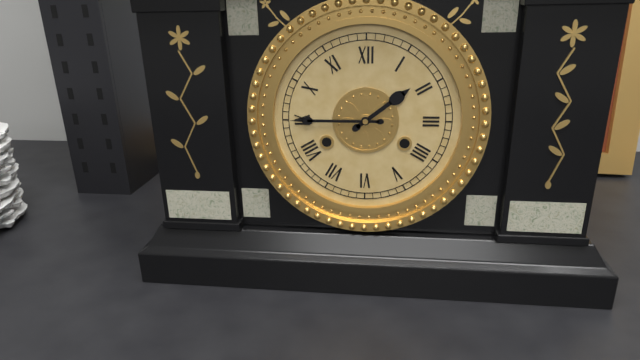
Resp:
1h45
